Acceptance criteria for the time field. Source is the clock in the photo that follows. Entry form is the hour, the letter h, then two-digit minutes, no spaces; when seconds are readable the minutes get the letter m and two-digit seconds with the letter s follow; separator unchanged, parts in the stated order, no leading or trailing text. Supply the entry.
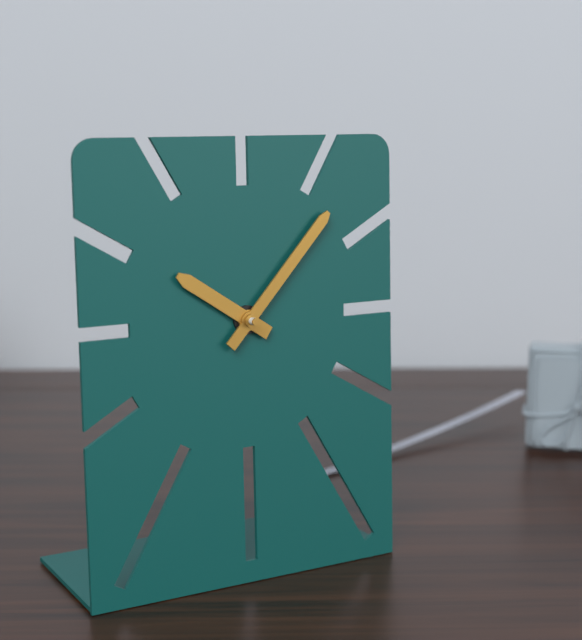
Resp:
10h07
